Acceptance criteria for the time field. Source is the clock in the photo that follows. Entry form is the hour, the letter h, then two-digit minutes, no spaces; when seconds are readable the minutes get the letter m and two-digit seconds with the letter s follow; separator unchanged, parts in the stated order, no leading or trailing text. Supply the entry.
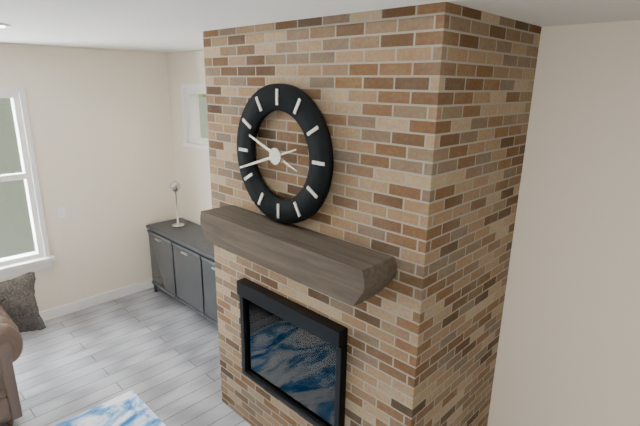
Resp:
9h42
